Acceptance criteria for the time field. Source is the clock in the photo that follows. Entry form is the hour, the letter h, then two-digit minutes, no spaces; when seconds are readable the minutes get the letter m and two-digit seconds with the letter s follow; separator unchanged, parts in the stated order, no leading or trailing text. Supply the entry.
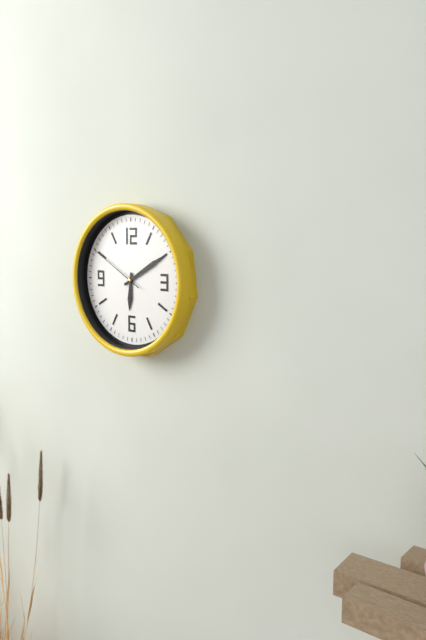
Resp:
6h10m50s
